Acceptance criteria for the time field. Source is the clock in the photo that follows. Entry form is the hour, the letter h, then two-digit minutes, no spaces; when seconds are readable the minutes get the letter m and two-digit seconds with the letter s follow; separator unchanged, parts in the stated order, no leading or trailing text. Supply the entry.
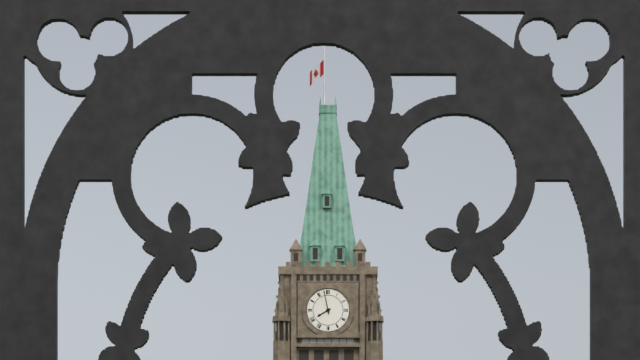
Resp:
7h58
